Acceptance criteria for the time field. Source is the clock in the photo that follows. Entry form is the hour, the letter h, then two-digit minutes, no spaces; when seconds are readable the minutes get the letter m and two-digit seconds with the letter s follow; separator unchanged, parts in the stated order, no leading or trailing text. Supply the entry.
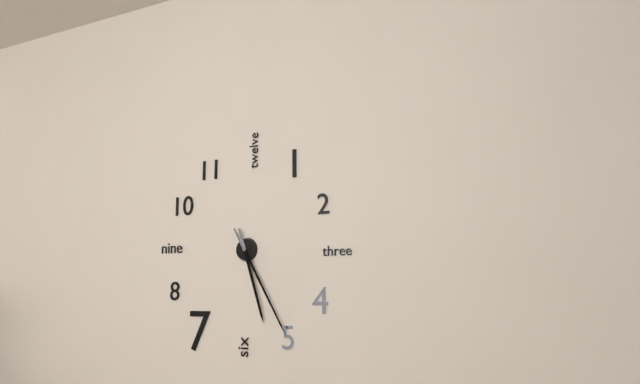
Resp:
5h25
